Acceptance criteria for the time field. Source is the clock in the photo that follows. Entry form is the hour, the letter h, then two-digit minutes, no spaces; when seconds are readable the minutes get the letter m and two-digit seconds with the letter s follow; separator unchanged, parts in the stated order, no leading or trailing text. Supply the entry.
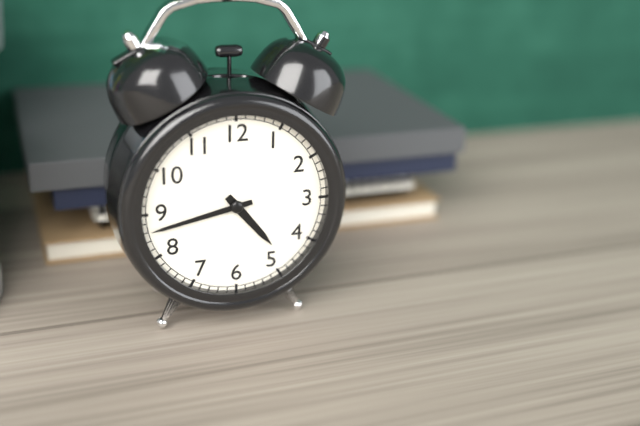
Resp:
4h43
